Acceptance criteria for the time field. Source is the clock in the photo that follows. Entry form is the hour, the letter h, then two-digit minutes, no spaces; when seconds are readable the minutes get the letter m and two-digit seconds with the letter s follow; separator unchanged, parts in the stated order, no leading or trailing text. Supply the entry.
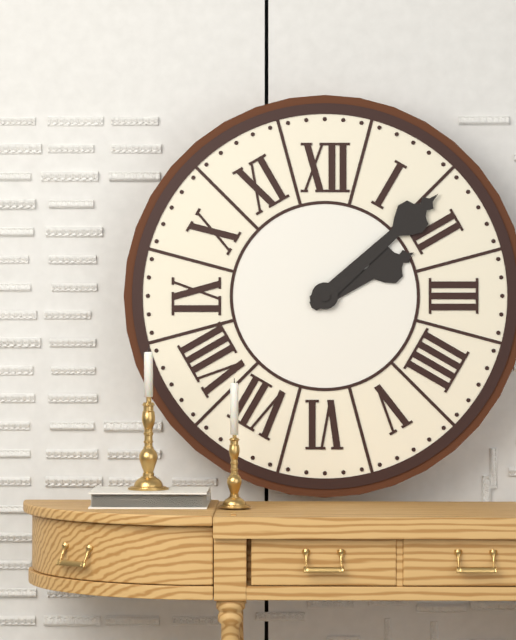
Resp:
2h08
